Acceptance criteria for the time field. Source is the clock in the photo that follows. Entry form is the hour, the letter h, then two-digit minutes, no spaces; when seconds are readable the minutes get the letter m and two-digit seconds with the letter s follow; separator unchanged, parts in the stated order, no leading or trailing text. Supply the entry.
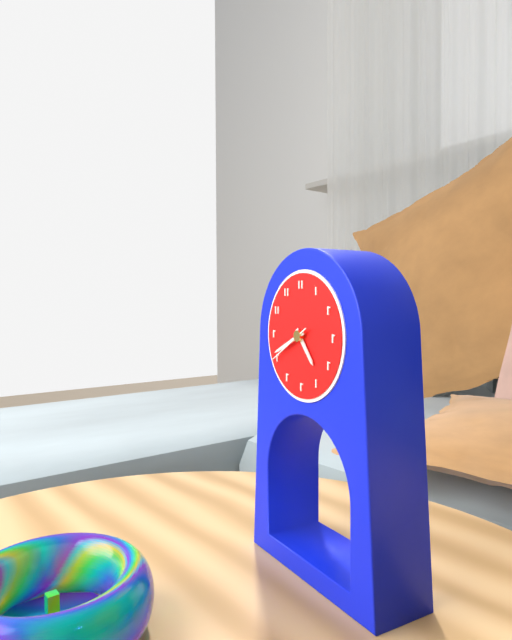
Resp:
4h41
